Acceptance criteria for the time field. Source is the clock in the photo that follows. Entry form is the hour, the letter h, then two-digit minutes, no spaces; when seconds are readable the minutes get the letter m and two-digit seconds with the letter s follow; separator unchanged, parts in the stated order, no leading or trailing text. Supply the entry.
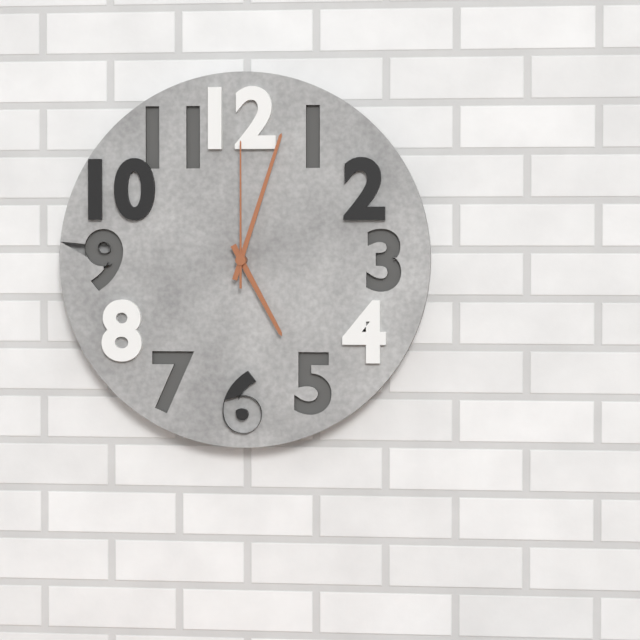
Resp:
5h03m00s
